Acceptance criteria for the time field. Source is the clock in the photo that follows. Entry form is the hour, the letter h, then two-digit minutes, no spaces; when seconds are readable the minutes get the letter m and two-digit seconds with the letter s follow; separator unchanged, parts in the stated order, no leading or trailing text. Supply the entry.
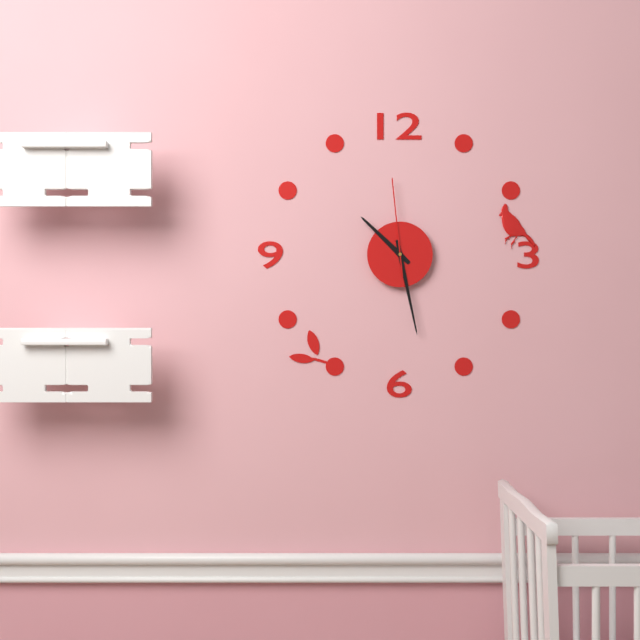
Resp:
10h28m59s
